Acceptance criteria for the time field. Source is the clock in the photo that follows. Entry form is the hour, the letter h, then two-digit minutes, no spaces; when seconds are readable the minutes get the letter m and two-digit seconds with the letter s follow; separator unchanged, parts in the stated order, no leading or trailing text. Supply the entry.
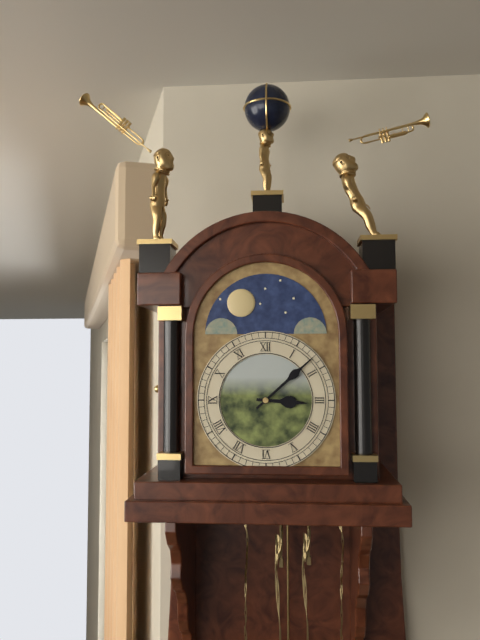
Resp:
3h08
